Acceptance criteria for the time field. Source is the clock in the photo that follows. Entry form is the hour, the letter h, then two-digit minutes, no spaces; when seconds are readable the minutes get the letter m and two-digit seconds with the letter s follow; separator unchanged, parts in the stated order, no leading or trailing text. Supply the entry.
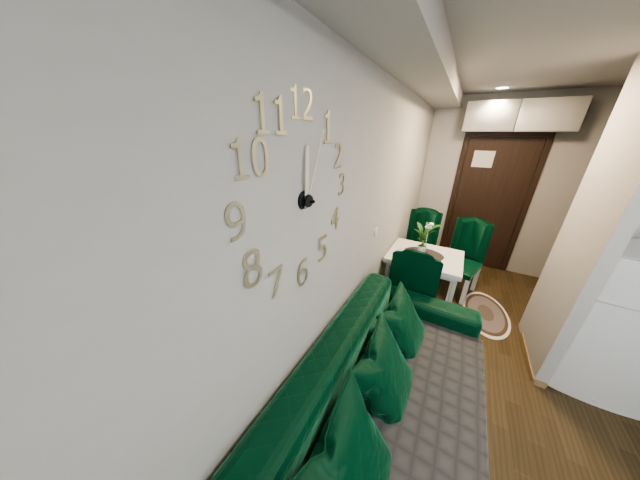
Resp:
12h04
